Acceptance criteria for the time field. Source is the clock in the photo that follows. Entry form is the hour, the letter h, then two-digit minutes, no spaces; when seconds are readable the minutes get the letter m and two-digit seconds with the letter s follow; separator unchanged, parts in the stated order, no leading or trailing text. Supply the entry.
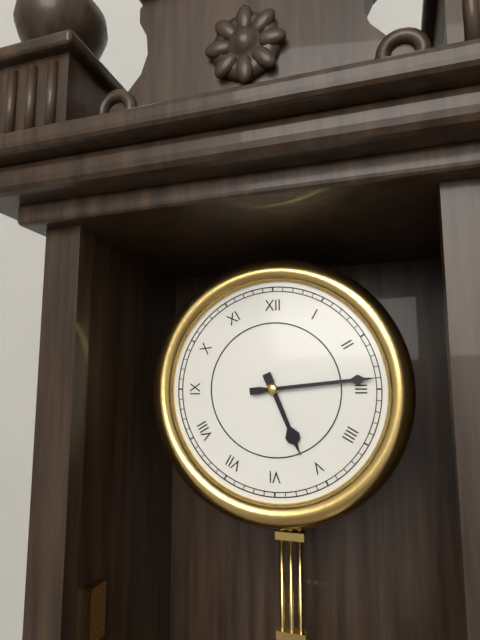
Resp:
5h14
